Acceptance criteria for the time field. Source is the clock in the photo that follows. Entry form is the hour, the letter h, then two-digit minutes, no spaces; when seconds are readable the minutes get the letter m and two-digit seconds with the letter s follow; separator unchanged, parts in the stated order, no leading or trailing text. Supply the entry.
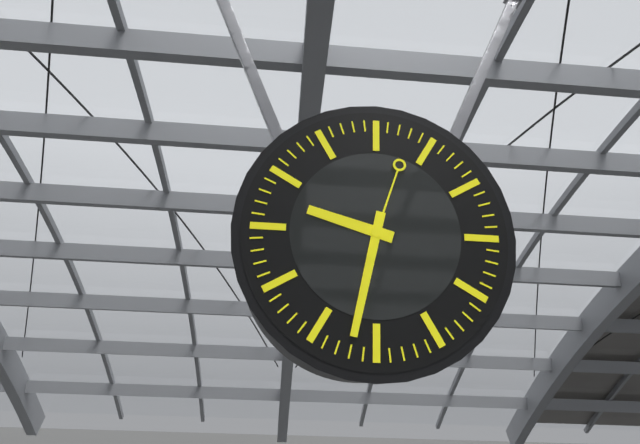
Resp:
9h32m03s
